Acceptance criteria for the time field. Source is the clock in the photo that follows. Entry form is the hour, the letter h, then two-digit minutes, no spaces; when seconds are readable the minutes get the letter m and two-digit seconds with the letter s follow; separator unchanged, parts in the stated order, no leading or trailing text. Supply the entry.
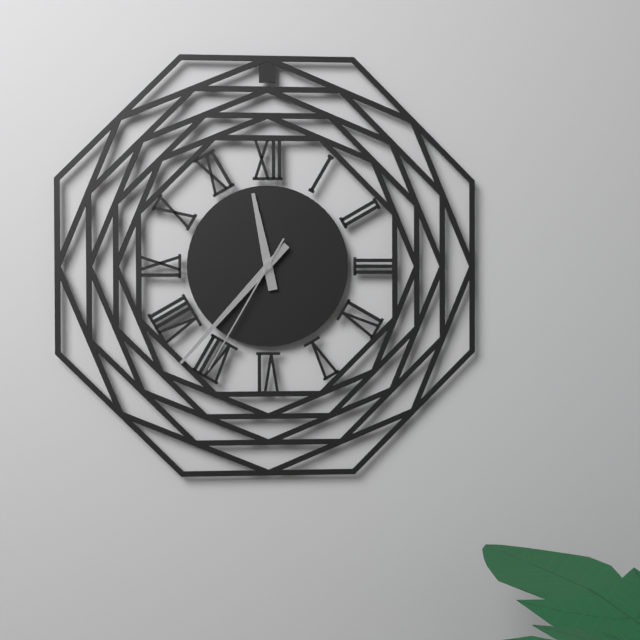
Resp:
11h37m35s
